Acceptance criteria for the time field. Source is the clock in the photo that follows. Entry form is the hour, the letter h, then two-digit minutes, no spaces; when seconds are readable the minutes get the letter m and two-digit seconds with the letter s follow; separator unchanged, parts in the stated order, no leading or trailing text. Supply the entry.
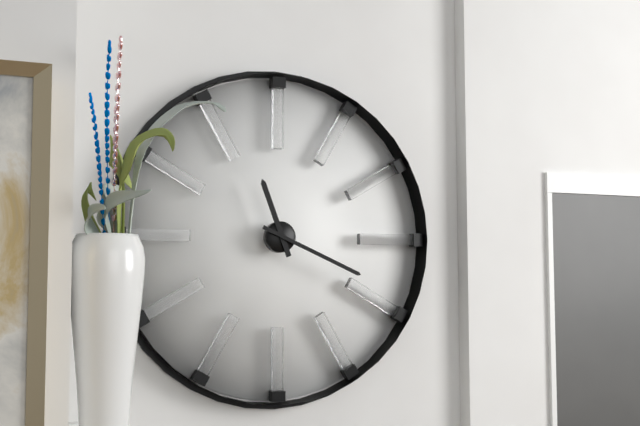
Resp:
11h19
